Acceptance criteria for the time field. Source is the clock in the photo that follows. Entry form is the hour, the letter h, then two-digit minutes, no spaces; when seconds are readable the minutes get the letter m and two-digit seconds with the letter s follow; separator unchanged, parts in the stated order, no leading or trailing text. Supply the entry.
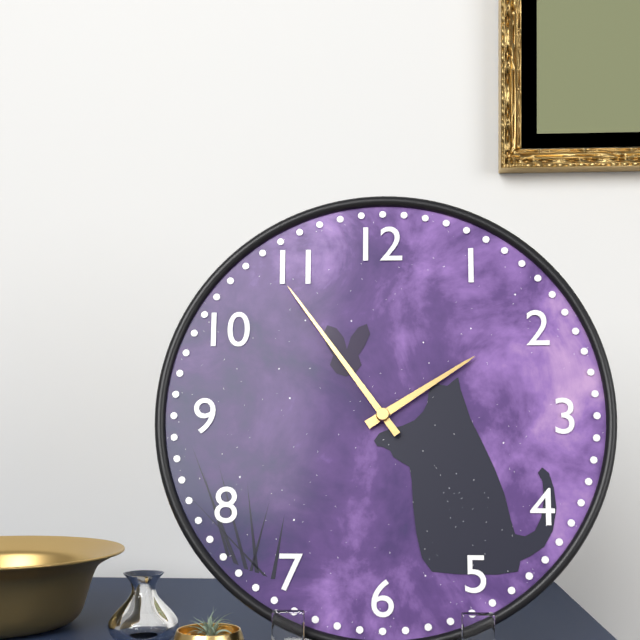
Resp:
1h54
